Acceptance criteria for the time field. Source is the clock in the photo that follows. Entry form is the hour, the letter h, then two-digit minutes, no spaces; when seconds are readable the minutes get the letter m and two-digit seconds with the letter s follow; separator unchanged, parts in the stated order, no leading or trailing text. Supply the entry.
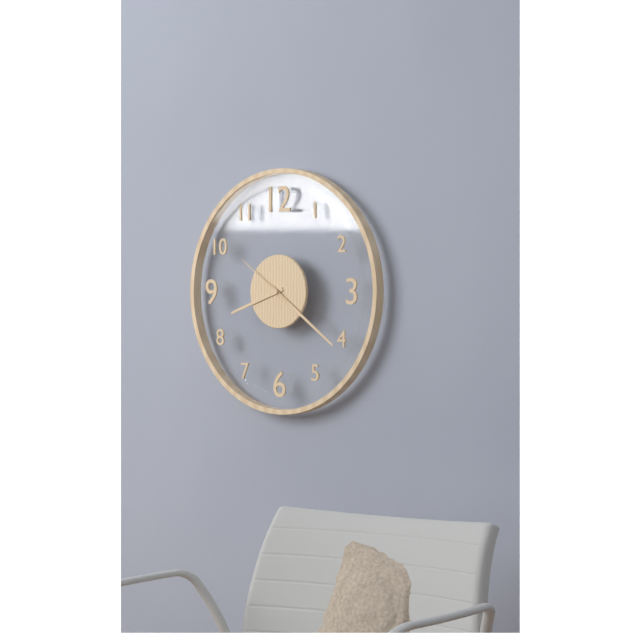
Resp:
8h21m51s
